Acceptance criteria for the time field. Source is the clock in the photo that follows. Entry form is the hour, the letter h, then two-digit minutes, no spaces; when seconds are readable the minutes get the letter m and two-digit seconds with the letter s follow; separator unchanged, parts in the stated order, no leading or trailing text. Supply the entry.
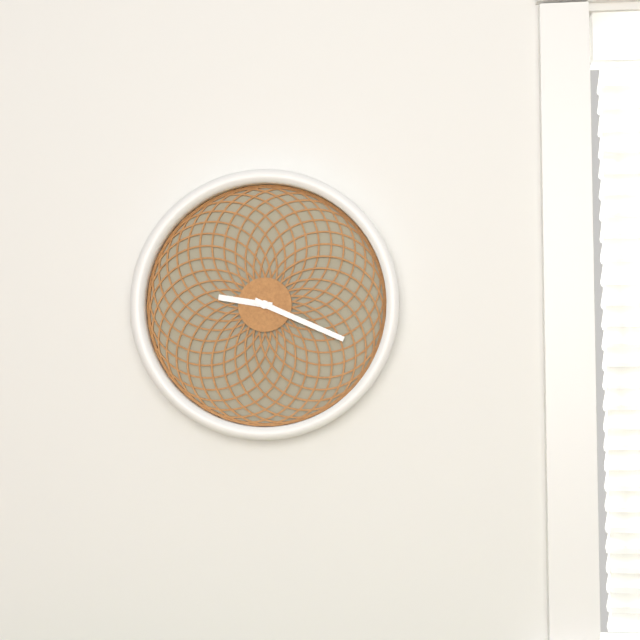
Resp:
9h19
